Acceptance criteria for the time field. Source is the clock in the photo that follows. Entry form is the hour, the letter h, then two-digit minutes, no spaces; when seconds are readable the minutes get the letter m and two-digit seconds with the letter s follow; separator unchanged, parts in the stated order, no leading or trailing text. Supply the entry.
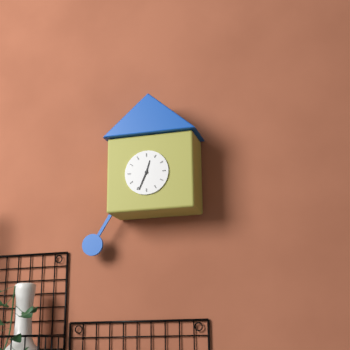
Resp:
12h34
